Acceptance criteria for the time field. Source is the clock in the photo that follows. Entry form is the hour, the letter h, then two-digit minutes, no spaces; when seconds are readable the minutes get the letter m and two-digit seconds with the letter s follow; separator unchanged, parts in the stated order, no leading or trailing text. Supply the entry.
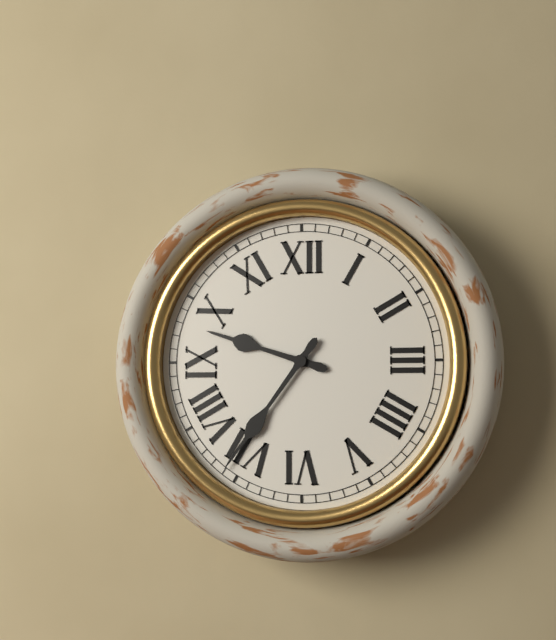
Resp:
9h36
